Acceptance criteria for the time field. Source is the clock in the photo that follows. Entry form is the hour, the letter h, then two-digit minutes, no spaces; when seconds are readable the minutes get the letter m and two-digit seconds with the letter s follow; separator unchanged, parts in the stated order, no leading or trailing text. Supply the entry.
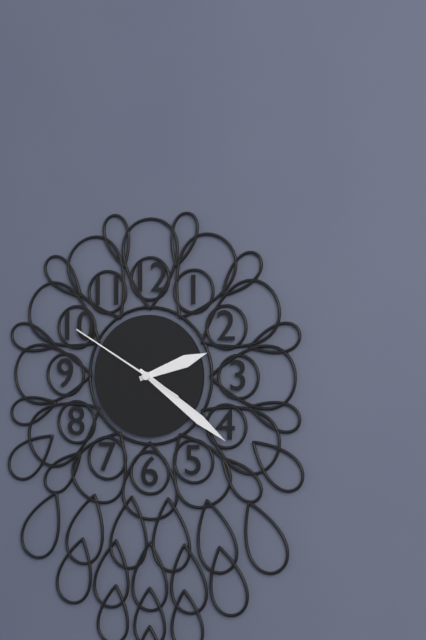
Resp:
2h21m50s
